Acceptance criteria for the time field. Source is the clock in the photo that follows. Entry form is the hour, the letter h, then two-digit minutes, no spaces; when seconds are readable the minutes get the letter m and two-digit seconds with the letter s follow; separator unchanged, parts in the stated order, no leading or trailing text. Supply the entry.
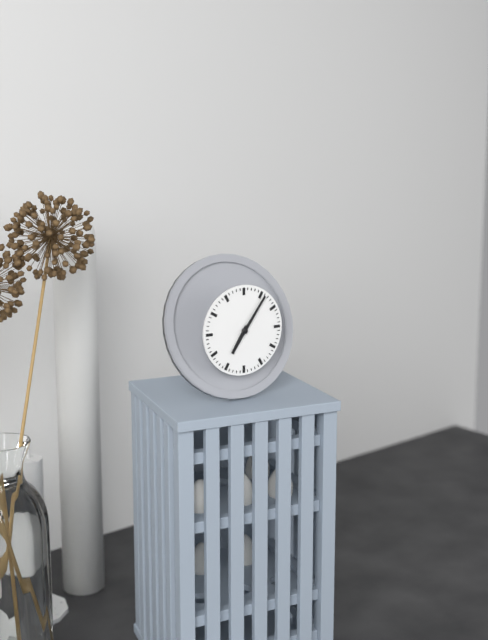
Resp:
7h06
